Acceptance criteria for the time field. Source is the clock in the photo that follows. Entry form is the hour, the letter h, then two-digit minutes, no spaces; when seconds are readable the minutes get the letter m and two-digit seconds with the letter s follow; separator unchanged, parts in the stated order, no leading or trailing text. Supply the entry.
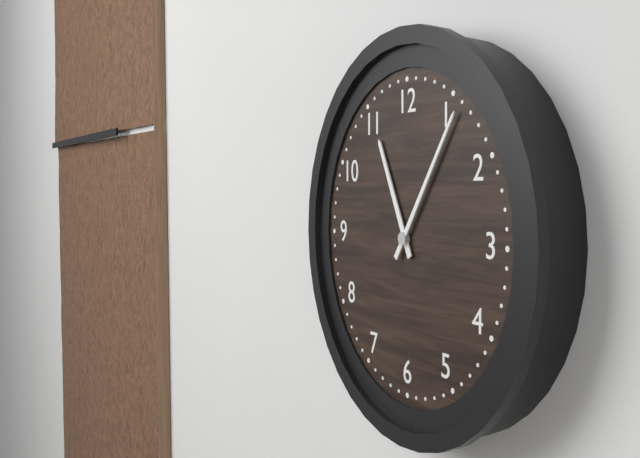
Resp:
11h06
